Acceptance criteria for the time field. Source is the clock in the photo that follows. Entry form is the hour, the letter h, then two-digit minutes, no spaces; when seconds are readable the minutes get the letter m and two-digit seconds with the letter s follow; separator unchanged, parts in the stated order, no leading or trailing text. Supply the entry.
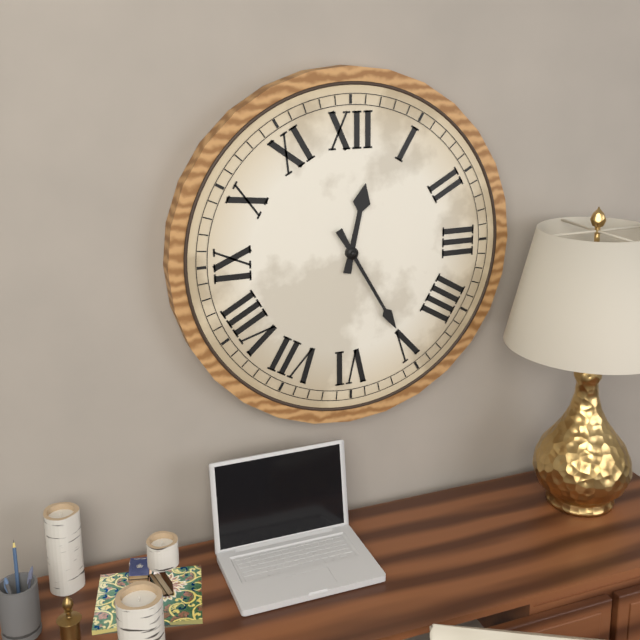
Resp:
12h25
